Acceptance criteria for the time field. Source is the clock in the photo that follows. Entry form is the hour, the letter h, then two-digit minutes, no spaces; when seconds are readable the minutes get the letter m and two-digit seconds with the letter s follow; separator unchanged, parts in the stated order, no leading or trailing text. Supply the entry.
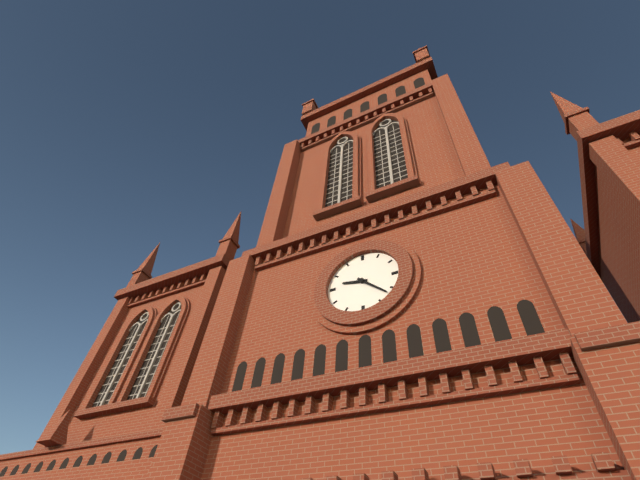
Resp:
9h22
